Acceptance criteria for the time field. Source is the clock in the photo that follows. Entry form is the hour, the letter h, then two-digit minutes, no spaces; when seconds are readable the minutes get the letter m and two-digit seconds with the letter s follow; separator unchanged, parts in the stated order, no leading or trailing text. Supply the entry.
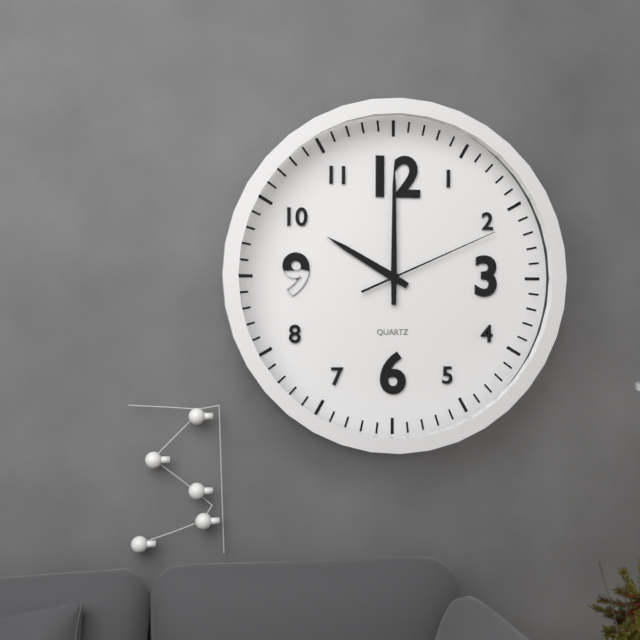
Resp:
10h00m11s
